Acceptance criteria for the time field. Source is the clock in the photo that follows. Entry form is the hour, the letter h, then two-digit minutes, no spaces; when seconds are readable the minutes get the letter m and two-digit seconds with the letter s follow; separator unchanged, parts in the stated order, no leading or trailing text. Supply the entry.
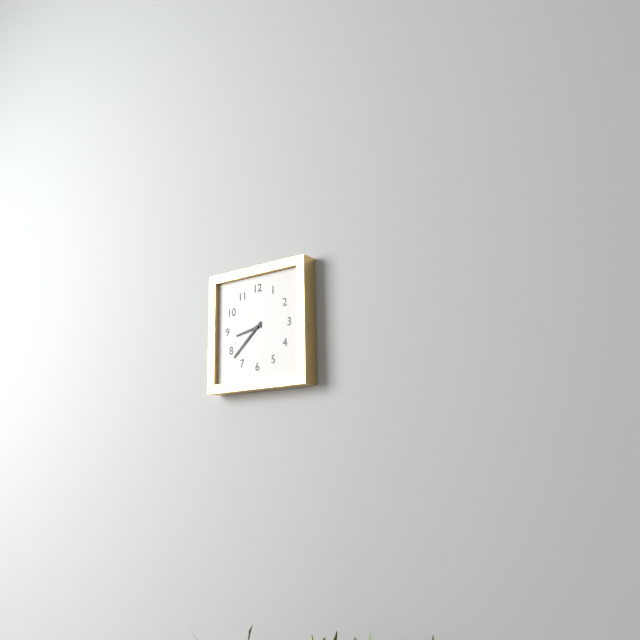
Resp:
8h38
